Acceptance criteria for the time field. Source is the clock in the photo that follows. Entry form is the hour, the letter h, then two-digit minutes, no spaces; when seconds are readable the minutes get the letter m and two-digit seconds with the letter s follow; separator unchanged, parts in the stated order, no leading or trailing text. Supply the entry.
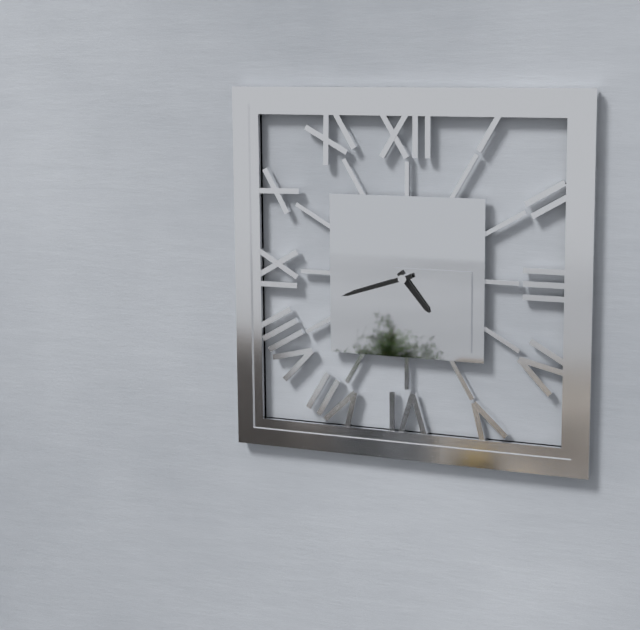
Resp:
4h42
